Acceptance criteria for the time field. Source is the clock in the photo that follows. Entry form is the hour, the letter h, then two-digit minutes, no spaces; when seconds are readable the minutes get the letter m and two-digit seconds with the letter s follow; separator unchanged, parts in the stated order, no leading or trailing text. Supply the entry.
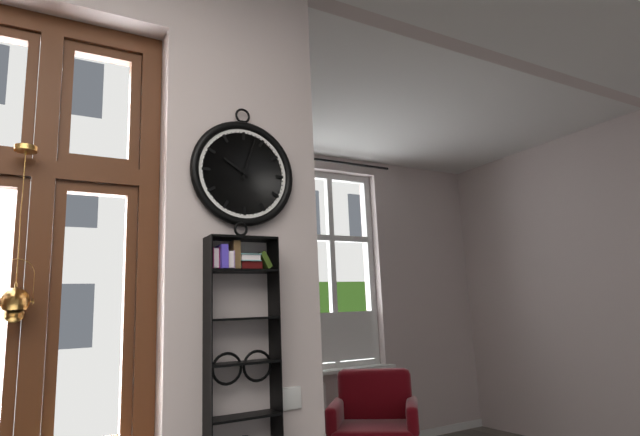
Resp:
10h03
